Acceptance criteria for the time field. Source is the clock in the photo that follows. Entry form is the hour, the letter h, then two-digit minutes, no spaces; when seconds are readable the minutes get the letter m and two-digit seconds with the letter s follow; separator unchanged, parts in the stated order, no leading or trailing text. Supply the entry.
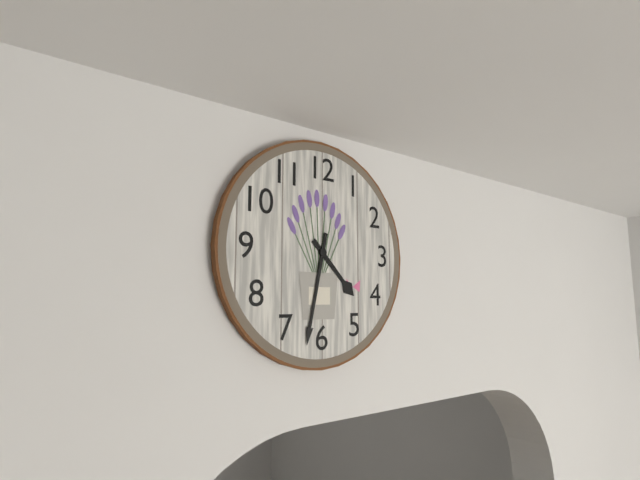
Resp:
4h32
